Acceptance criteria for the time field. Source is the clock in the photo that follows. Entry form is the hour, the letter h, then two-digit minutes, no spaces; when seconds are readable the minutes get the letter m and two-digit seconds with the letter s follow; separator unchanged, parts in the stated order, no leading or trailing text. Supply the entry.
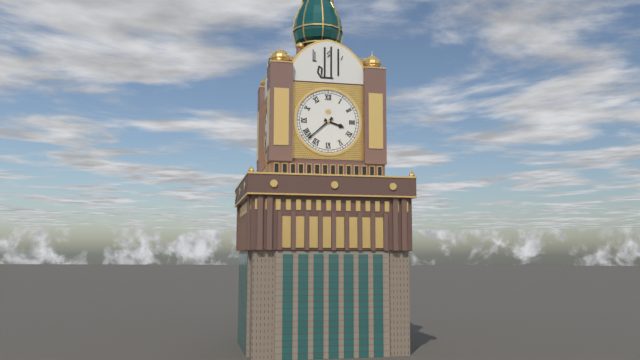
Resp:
3h38
